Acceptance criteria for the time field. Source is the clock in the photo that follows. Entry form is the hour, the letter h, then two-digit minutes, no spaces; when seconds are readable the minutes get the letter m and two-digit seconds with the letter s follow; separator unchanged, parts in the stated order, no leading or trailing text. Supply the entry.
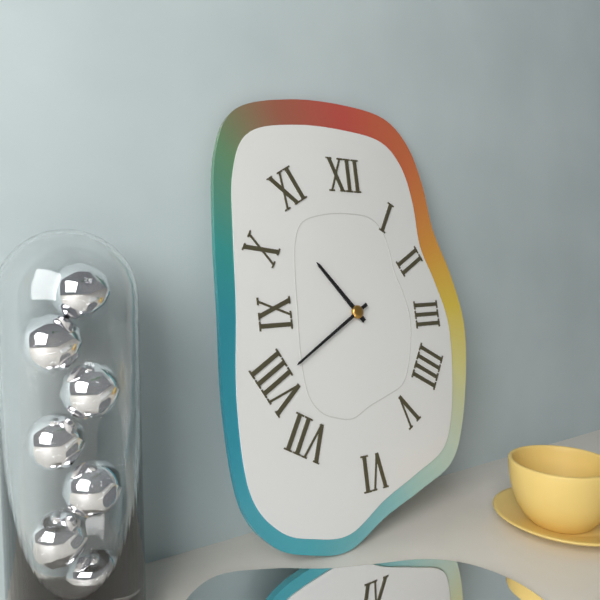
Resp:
10h40
